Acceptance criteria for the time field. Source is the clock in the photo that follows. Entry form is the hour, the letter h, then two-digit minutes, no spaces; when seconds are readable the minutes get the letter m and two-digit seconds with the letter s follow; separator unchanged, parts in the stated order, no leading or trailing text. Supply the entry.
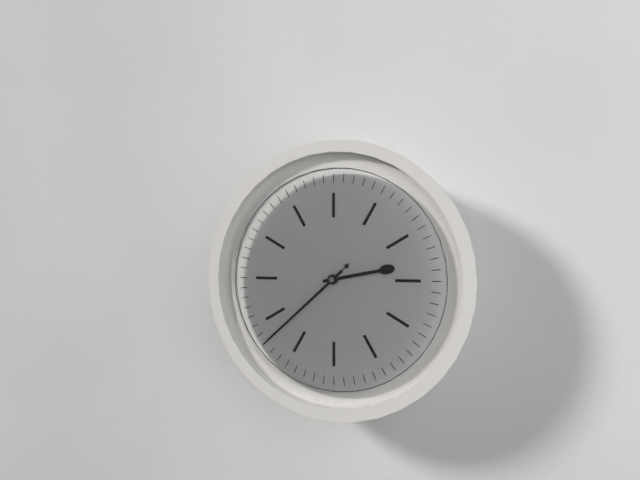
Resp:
2h38m38s
